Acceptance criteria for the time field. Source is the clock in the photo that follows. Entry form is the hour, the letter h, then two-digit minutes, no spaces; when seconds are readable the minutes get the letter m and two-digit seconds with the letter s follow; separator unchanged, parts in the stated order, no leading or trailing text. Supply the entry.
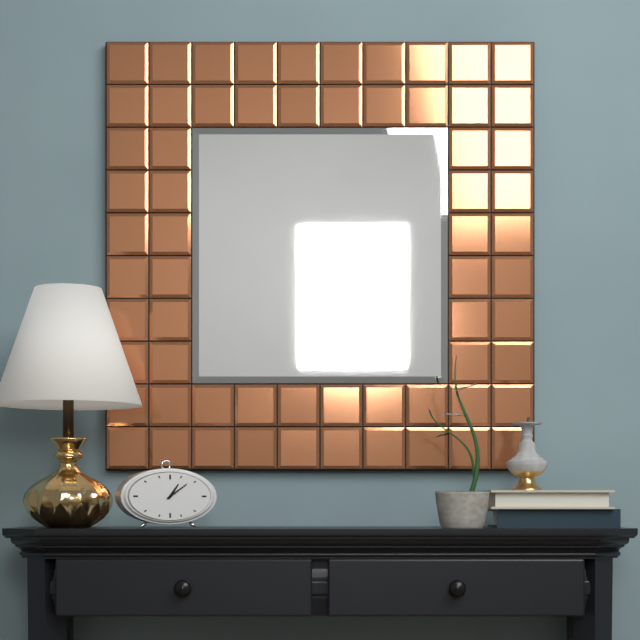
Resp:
1h09
